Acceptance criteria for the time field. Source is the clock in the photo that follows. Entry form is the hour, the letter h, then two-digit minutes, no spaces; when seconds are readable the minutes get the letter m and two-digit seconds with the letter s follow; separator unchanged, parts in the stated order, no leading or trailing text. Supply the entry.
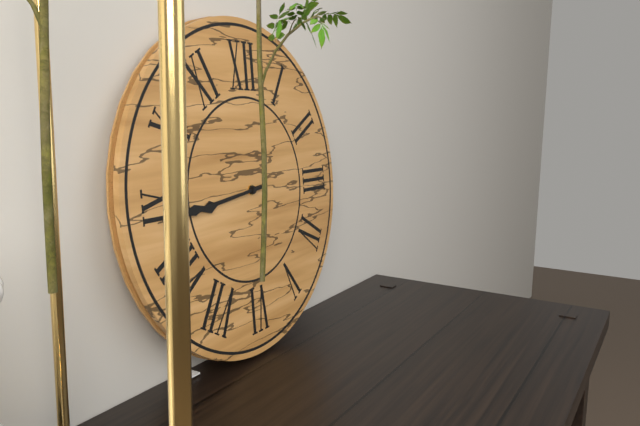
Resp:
8h44
